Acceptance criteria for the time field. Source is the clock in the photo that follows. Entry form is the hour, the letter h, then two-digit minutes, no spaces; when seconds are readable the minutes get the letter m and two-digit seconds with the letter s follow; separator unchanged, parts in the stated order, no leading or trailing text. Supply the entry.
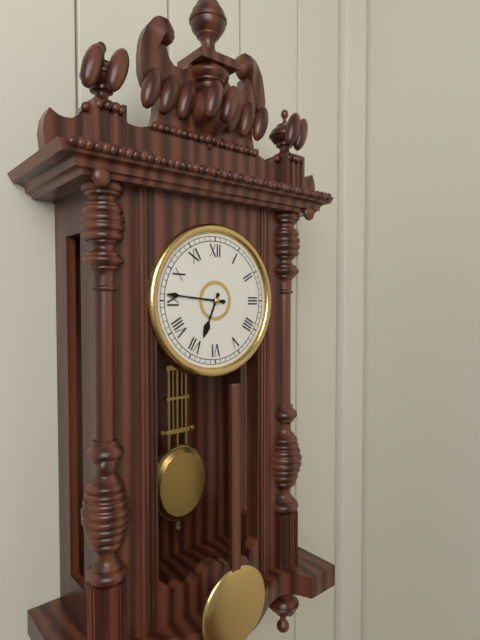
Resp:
6h46
